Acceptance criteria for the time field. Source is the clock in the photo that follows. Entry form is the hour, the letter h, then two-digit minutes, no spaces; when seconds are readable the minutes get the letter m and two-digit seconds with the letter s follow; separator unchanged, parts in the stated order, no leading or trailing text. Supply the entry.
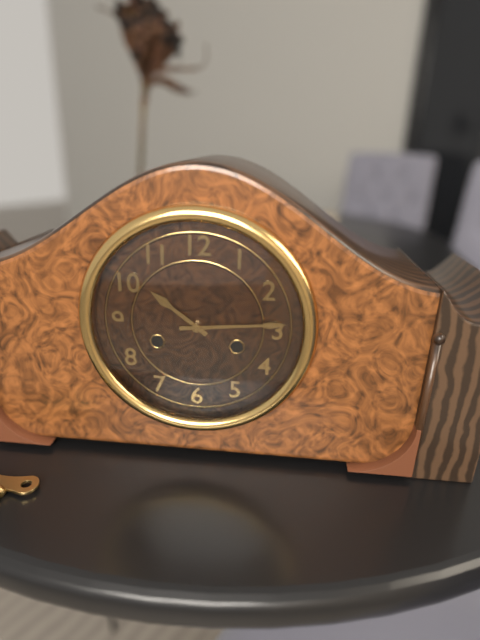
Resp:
10h14
